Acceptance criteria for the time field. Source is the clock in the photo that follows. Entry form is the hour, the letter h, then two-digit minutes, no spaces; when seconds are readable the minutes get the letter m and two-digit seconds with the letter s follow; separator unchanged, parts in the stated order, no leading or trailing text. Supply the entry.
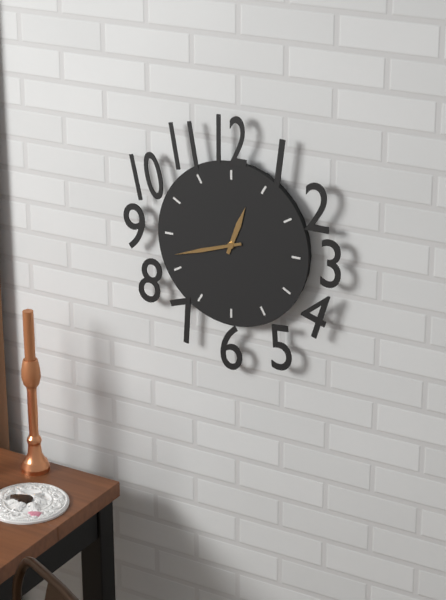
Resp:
12h42
